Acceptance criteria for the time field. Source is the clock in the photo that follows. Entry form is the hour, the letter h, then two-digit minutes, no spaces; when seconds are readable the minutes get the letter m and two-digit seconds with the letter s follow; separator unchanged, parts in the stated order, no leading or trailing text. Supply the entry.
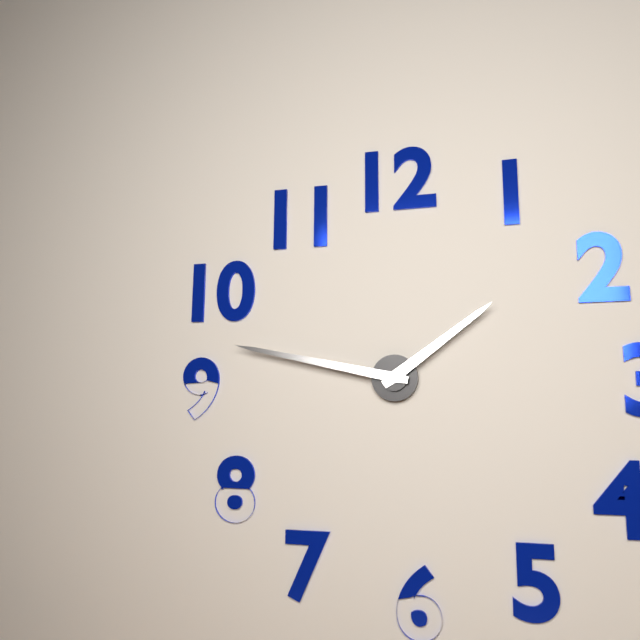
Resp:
1h47
